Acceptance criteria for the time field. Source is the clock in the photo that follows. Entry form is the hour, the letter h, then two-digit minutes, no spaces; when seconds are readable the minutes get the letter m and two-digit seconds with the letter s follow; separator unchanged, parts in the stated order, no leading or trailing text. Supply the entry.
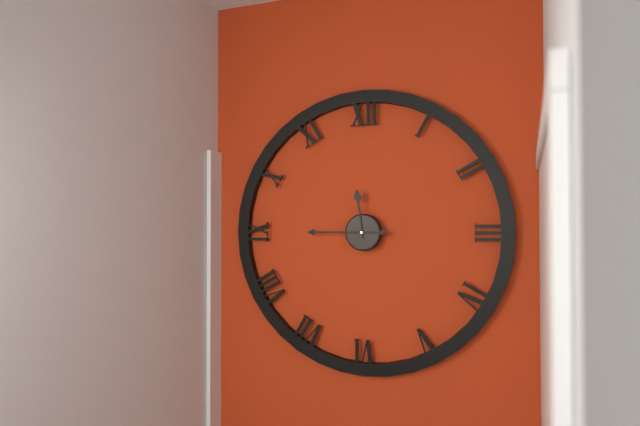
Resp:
11h45
